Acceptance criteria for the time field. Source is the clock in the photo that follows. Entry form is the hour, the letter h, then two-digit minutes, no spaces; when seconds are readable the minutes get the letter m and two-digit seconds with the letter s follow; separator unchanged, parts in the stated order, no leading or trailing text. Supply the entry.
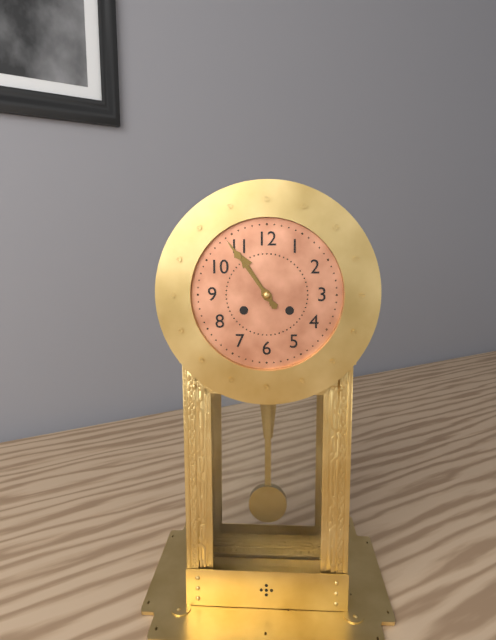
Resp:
10h54
